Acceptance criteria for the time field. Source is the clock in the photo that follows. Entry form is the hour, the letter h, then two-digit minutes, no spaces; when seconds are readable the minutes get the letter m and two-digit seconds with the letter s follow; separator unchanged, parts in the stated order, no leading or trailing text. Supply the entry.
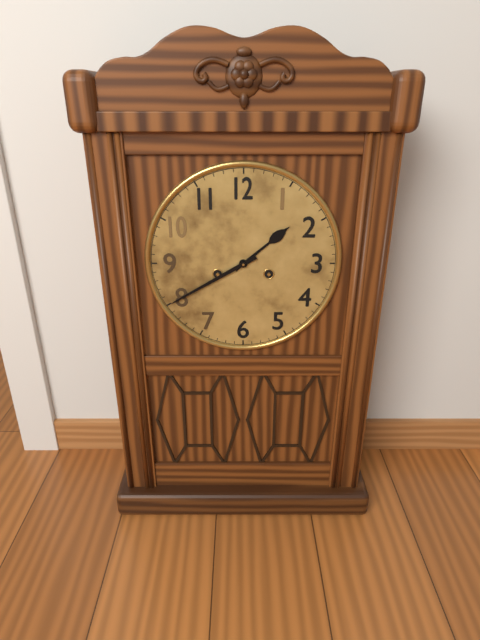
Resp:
1h40
